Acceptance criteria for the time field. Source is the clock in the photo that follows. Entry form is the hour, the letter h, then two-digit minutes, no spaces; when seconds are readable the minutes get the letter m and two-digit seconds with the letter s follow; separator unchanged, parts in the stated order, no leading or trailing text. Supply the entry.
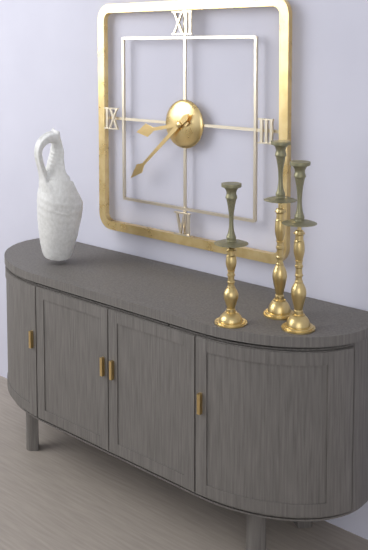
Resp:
8h38
